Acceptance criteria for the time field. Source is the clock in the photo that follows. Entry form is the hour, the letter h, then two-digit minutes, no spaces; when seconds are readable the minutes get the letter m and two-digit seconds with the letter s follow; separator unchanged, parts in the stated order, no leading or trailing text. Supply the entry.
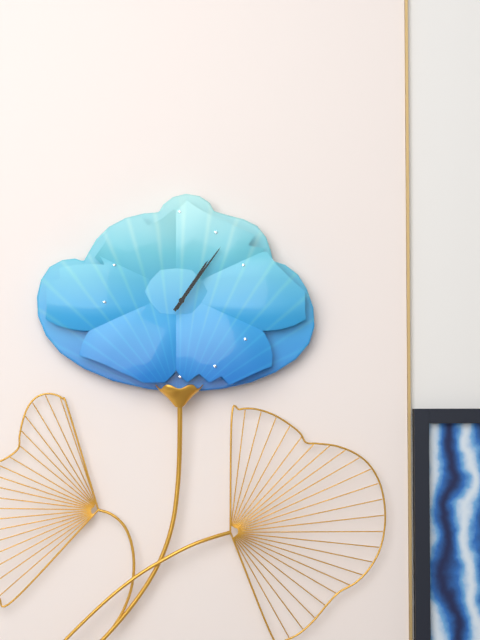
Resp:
1h06
